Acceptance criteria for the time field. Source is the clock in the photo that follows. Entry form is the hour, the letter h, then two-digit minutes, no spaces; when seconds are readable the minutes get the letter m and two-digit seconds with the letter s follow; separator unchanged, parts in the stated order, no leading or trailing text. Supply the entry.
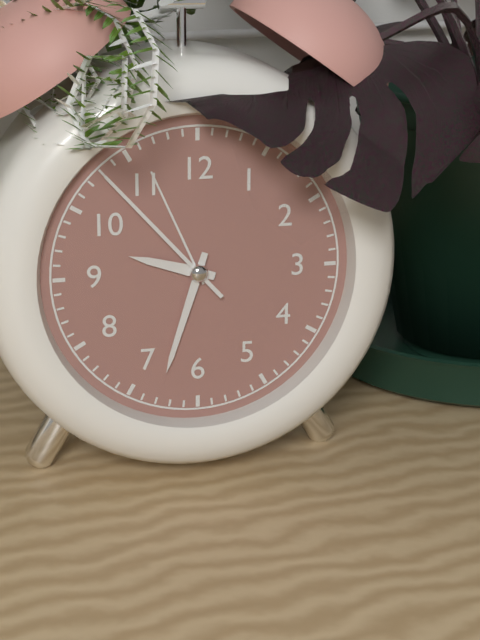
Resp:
9h33m53s
